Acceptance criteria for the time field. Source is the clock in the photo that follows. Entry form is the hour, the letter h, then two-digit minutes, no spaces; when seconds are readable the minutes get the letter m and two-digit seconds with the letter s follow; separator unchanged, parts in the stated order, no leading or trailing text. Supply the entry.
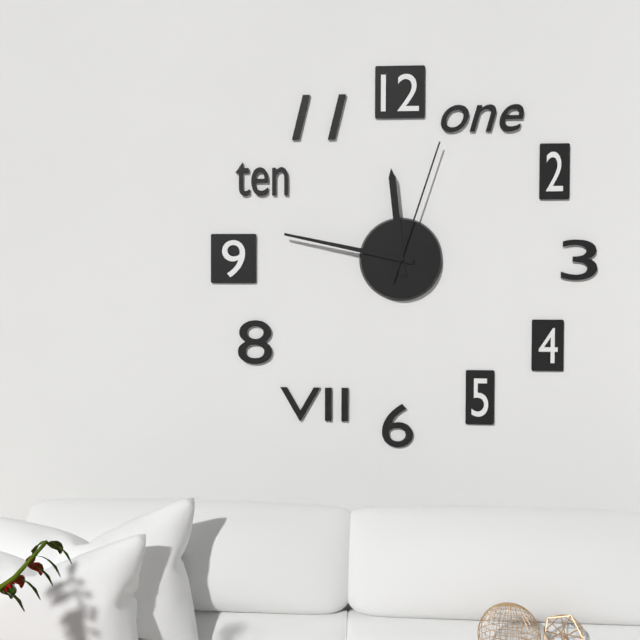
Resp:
11h47m03s
